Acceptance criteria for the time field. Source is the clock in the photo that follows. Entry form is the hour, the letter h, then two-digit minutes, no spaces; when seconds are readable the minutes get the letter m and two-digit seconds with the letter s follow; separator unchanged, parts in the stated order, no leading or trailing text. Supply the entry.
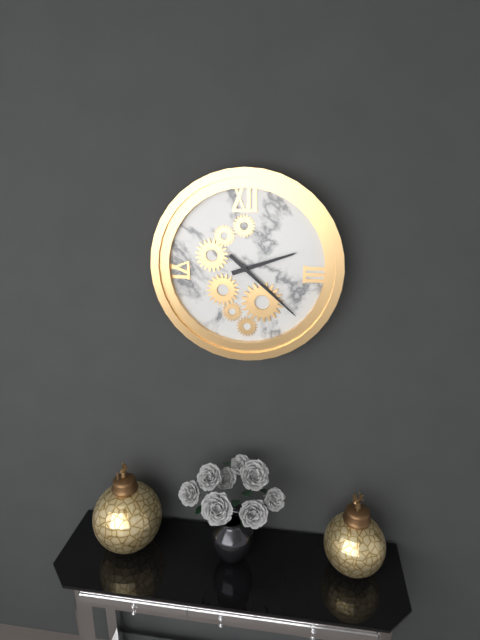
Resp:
2h22
